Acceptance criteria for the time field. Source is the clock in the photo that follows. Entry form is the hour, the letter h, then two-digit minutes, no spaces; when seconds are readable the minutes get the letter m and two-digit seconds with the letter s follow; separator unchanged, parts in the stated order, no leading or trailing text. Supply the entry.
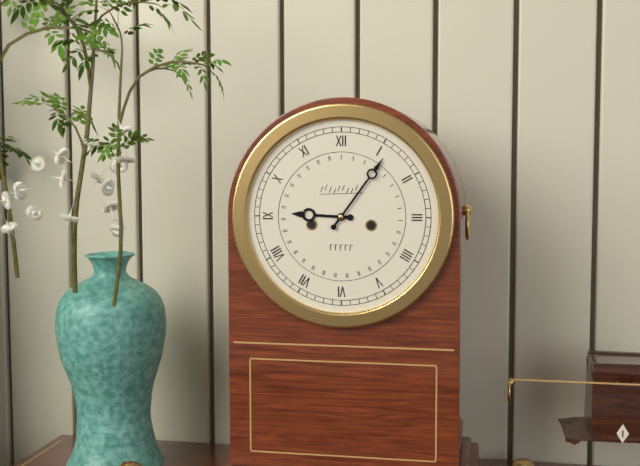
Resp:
9h06
